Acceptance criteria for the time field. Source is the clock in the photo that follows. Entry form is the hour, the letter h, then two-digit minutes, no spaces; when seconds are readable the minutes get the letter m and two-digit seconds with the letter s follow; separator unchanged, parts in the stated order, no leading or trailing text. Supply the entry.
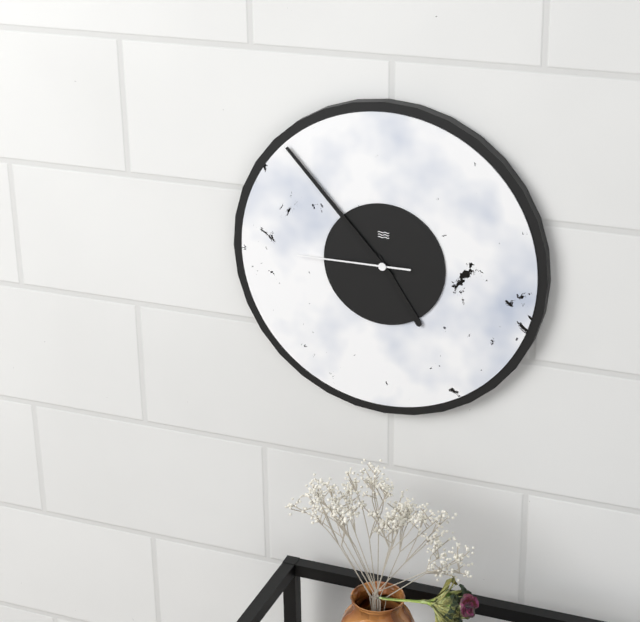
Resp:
4h53m45s
